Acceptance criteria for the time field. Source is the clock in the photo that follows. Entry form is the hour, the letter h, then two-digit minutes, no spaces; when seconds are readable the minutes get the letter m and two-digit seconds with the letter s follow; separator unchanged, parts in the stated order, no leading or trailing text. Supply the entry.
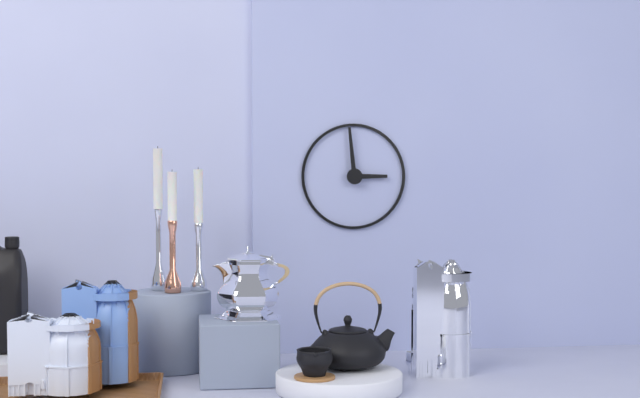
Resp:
2h59
